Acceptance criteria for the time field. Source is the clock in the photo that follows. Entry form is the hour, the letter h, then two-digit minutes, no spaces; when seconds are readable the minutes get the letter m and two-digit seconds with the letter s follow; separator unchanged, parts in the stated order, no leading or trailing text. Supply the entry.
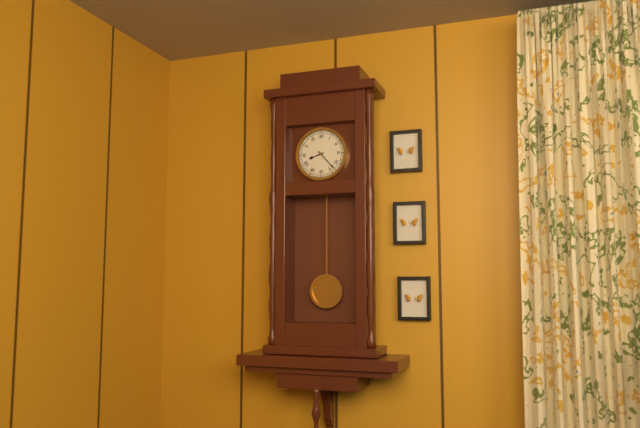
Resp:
8h23
